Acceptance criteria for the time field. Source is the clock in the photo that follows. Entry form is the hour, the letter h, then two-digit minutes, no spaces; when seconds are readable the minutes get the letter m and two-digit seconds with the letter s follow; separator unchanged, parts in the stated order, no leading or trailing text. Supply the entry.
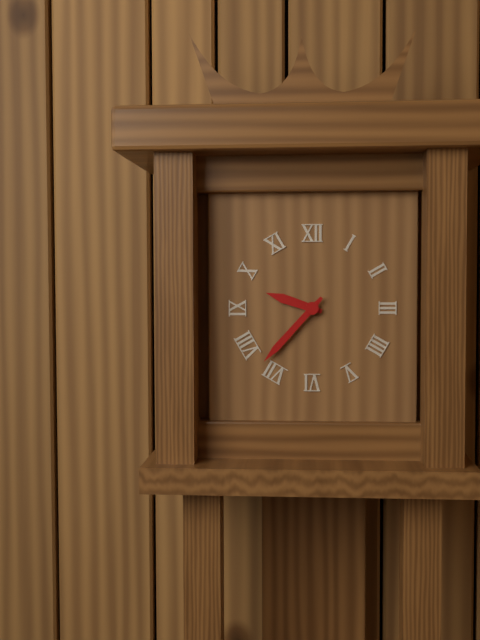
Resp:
9h37
